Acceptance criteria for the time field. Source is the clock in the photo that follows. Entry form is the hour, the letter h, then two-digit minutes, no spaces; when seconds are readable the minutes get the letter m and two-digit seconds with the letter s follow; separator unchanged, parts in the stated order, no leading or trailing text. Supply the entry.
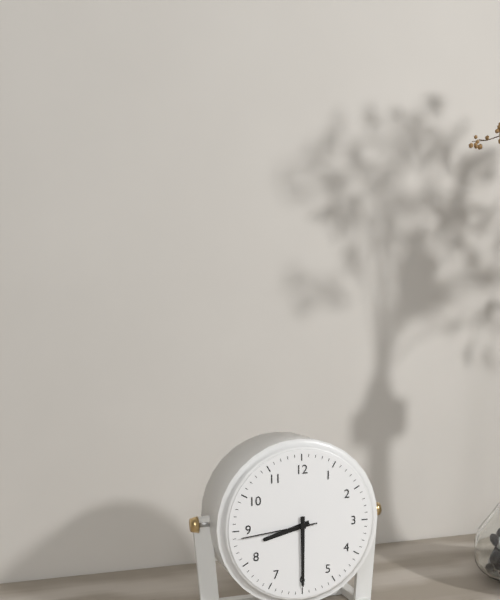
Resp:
8h30m44s
